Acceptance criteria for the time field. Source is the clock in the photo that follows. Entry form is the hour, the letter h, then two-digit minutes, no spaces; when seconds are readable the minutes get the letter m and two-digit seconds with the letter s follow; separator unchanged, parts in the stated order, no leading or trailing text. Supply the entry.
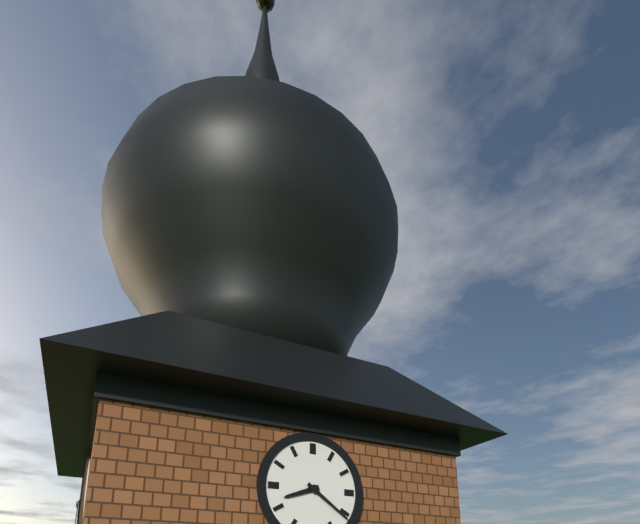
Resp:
8h21
